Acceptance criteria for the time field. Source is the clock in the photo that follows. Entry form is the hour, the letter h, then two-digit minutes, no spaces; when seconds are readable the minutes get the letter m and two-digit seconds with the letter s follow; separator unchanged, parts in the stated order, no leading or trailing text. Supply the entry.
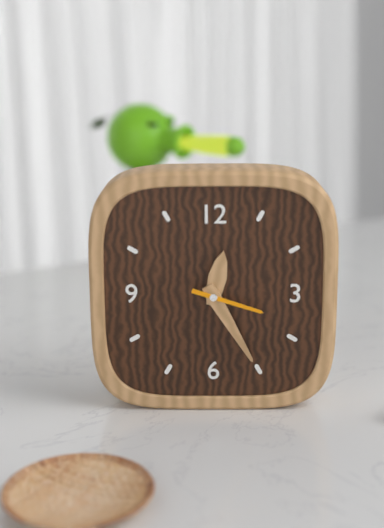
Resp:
12h25m18s
